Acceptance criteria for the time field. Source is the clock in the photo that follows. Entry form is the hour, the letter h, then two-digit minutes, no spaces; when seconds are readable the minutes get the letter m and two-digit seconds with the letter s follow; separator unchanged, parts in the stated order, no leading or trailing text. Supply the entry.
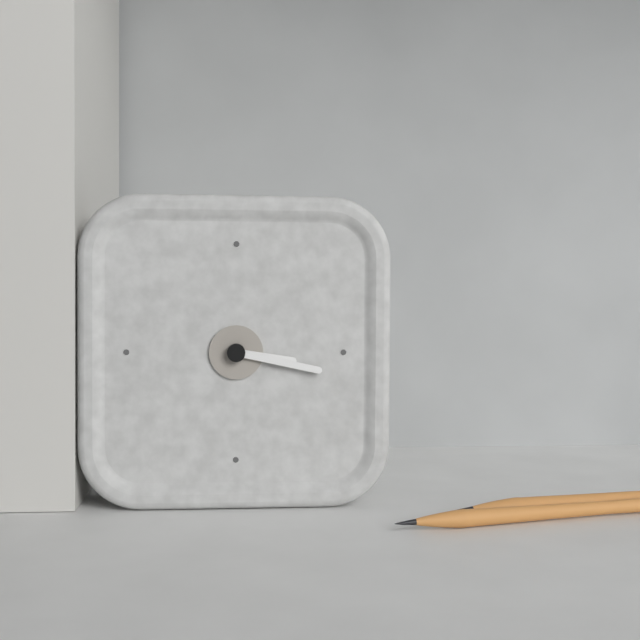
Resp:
3h17
